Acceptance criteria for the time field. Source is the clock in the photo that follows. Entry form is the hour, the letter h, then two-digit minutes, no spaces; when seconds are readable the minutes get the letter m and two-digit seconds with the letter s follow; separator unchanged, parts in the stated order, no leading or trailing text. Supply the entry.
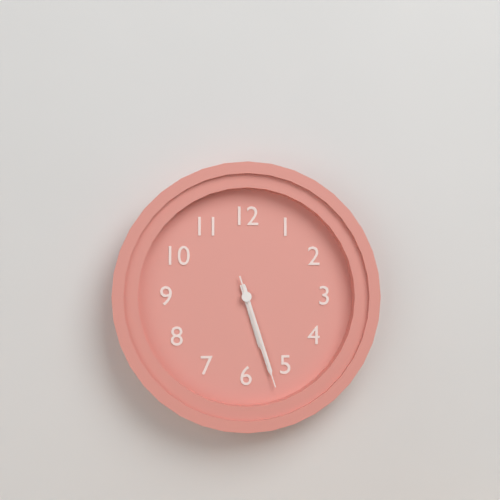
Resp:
5h27m27s
